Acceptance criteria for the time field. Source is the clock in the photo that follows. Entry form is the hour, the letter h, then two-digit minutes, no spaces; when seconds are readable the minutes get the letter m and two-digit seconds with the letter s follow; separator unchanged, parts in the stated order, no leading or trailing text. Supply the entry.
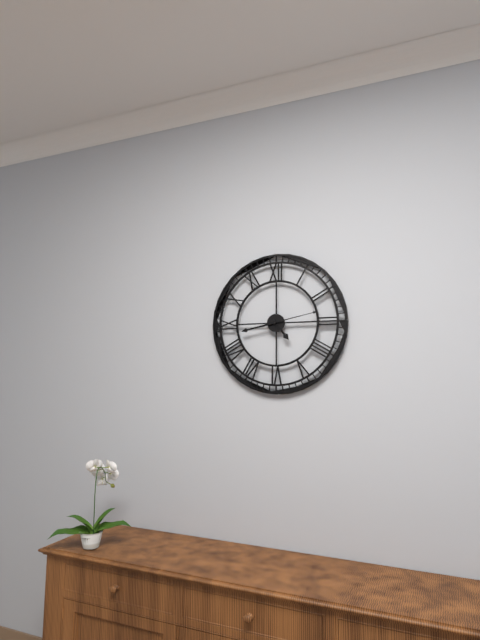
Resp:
4h43m13s
